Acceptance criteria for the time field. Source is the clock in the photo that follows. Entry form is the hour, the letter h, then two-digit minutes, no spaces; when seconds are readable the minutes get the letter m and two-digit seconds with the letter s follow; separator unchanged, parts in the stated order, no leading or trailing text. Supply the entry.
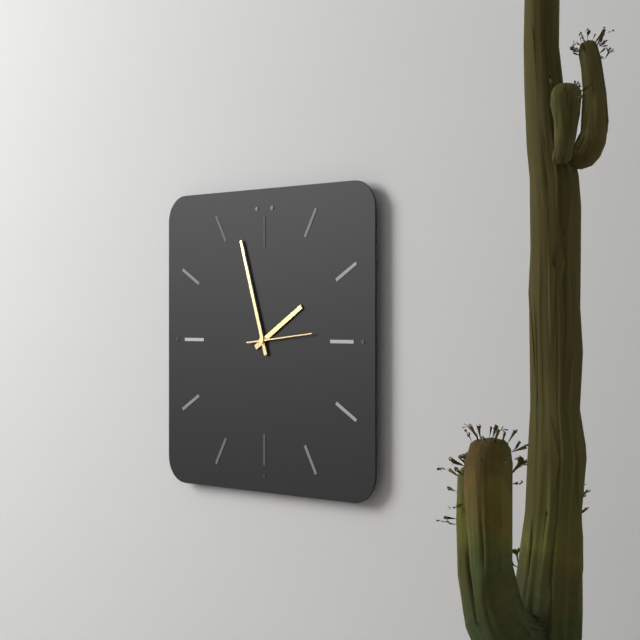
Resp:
1h57
